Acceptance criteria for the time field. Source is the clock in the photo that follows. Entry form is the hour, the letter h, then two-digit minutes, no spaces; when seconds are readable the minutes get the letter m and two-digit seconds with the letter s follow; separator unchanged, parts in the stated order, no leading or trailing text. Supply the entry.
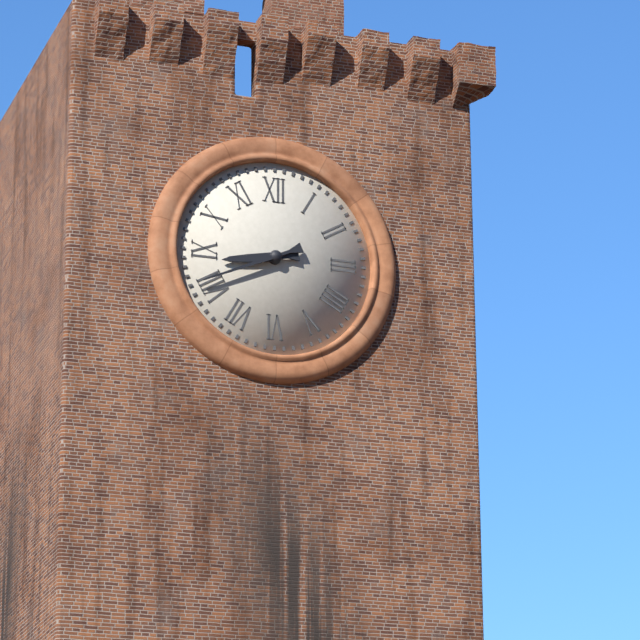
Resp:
8h41
